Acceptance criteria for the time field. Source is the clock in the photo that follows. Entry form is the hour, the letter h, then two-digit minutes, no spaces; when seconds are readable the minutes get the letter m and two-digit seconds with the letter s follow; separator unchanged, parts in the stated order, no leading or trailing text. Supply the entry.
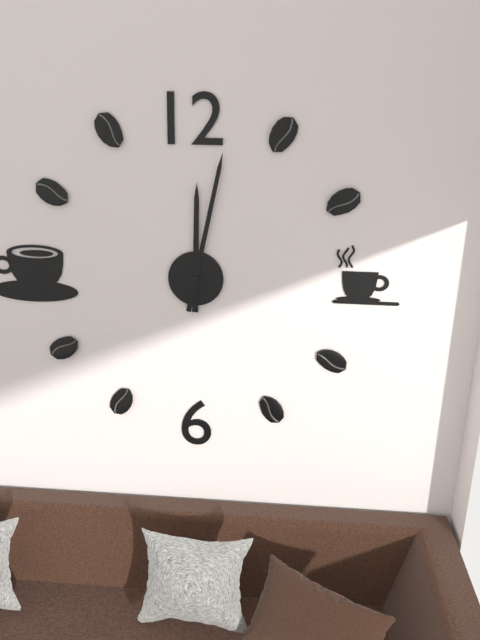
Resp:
12h02
